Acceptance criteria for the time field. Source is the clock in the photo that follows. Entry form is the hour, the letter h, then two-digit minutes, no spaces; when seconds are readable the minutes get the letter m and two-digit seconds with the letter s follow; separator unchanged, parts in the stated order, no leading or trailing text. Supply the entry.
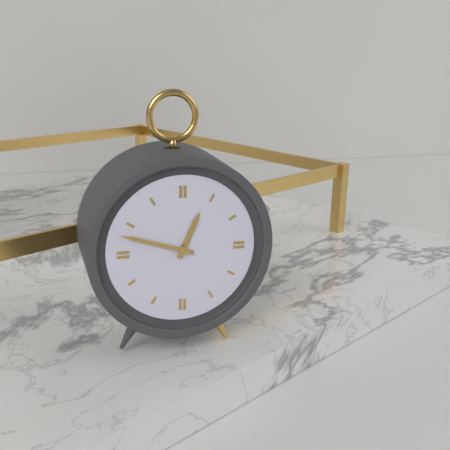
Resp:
12h48
